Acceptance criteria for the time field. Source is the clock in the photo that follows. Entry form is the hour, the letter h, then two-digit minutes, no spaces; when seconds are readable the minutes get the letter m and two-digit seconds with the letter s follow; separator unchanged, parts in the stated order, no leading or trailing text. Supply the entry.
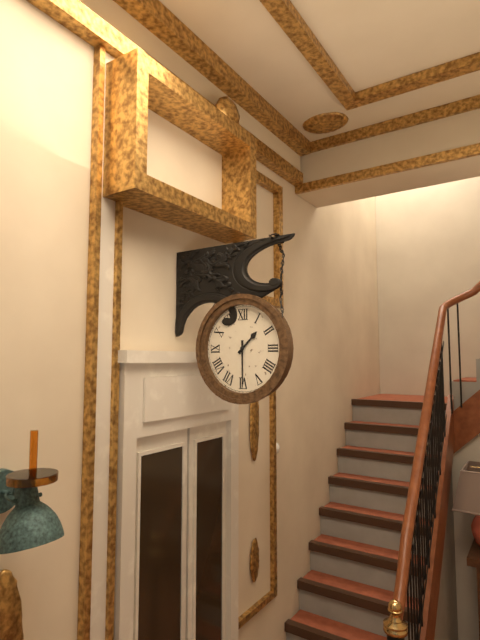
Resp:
1h30
